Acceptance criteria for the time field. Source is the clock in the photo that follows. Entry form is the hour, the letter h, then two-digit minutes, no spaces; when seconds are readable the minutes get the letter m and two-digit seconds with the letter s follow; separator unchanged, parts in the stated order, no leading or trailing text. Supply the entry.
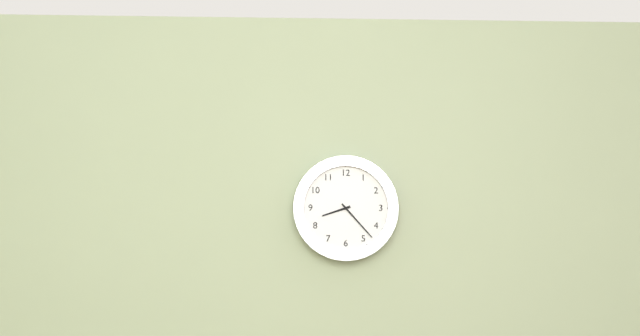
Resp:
8h23
